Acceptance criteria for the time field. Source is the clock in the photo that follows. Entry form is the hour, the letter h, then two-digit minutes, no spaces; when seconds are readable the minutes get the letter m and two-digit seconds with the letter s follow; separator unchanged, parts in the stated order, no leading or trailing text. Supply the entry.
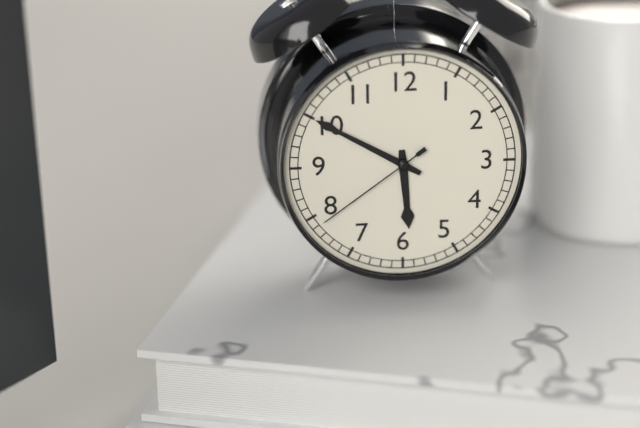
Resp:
5h50m39s
